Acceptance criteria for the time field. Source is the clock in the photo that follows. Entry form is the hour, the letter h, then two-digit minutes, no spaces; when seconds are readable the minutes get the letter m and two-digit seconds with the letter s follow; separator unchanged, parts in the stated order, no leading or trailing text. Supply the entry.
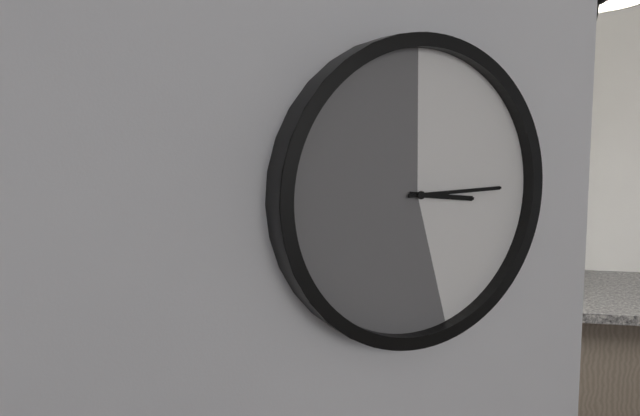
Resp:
3h15
